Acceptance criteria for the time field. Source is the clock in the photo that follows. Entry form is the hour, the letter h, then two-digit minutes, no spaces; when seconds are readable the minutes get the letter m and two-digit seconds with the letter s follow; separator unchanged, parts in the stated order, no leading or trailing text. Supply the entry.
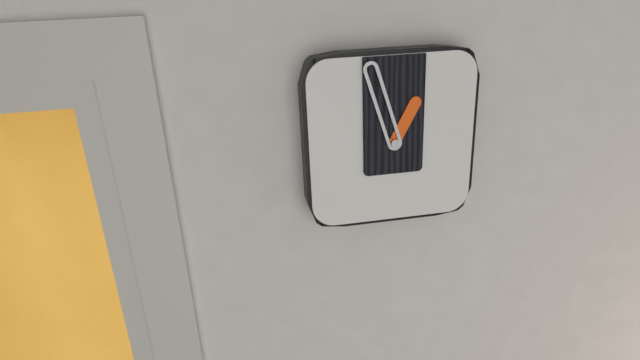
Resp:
12h57
